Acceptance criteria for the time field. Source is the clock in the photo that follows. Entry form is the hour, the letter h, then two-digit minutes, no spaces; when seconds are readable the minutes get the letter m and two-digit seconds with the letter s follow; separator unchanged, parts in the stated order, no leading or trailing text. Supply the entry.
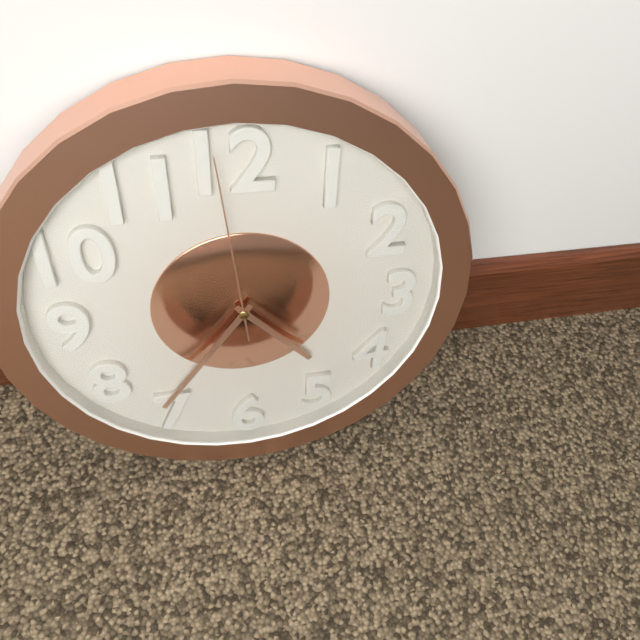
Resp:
4h36m59s
